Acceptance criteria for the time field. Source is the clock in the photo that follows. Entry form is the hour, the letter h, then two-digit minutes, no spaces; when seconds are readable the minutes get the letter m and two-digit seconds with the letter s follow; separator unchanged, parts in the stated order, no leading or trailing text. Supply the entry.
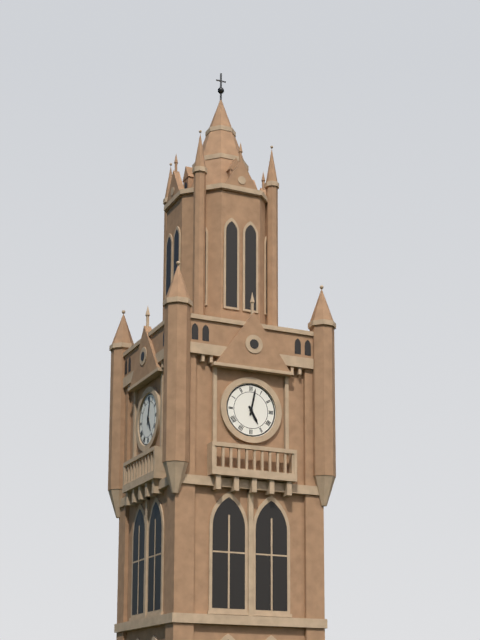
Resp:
5h02
